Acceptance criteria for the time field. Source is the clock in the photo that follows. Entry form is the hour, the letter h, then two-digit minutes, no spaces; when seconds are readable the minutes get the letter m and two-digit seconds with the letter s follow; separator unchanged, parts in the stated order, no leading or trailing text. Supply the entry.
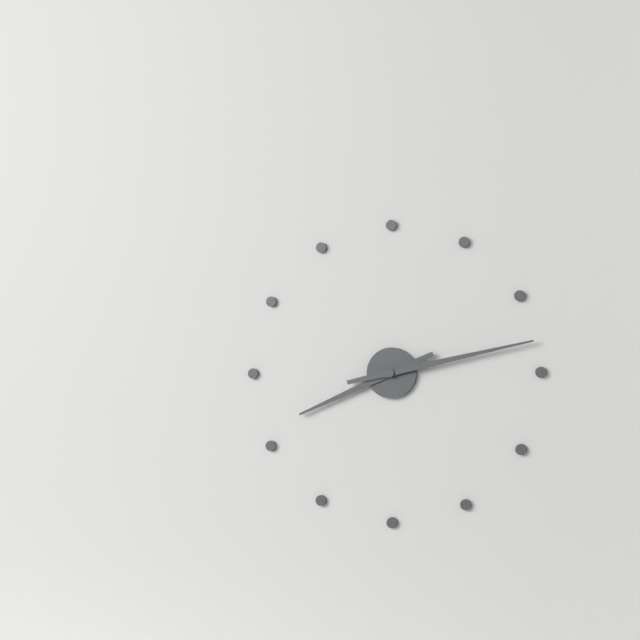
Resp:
8h13
